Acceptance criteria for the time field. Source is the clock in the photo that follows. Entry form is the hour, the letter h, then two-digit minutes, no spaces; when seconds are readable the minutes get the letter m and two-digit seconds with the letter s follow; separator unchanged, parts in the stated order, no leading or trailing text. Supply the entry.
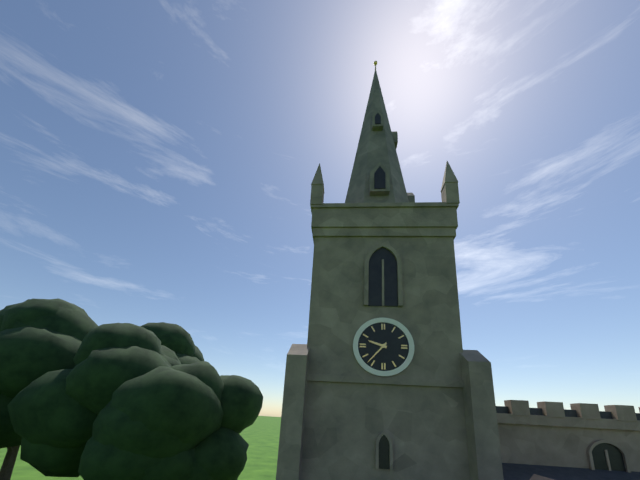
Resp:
9h37
